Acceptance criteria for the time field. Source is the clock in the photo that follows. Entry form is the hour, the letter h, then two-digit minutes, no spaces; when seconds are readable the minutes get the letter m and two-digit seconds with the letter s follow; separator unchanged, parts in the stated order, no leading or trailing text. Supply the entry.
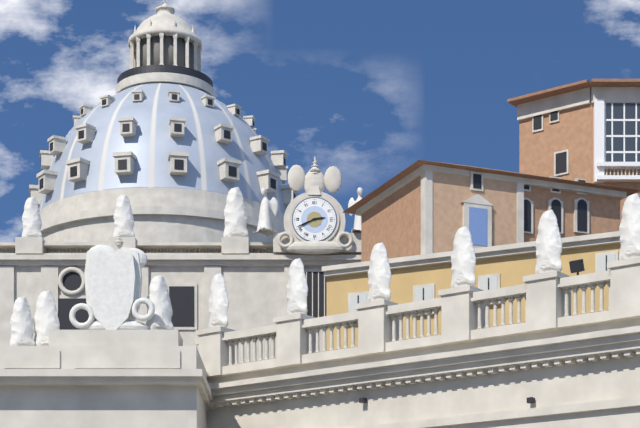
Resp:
2h41
